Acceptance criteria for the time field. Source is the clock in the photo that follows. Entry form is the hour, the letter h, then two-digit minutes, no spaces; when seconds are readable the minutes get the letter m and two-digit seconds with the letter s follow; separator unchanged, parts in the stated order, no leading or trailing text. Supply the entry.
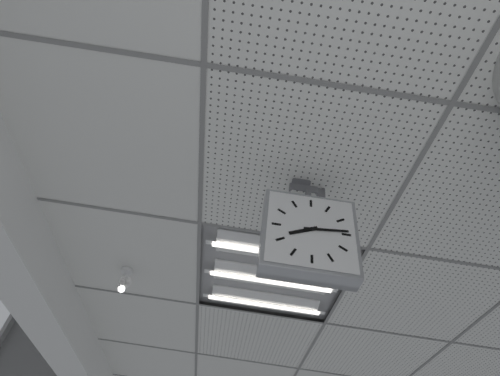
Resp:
8h14
